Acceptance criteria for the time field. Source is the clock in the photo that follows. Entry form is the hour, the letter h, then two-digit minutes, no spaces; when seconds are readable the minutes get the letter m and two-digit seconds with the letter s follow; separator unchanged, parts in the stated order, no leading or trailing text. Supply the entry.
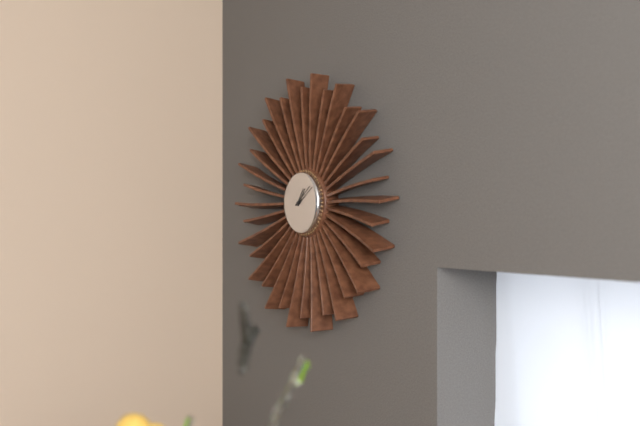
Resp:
1h09
